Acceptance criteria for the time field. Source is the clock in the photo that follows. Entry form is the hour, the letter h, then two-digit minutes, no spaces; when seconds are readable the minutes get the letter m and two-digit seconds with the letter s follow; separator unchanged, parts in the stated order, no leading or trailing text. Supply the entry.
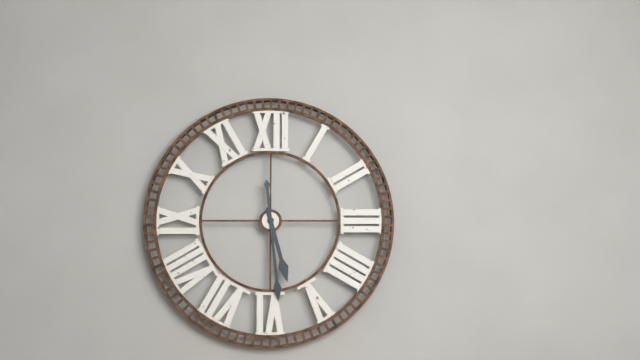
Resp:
5h29
